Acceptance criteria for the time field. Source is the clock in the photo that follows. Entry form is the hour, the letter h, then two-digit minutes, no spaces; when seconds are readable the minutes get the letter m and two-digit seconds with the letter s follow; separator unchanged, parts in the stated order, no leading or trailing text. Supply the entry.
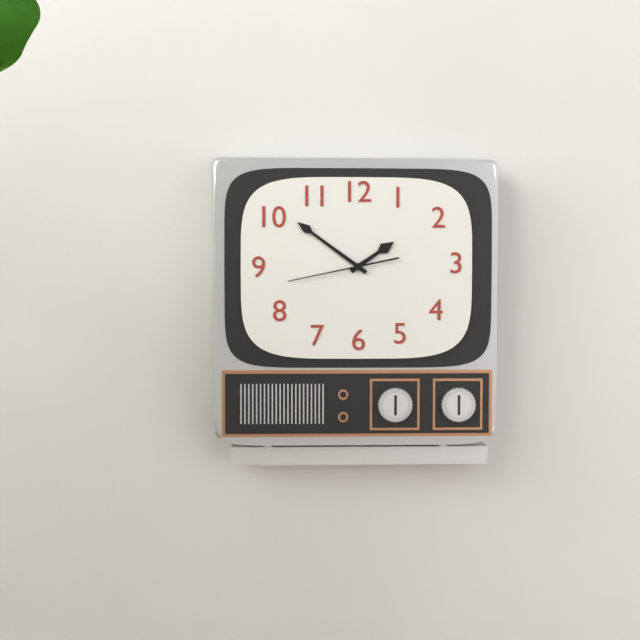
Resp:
1h51m43s
